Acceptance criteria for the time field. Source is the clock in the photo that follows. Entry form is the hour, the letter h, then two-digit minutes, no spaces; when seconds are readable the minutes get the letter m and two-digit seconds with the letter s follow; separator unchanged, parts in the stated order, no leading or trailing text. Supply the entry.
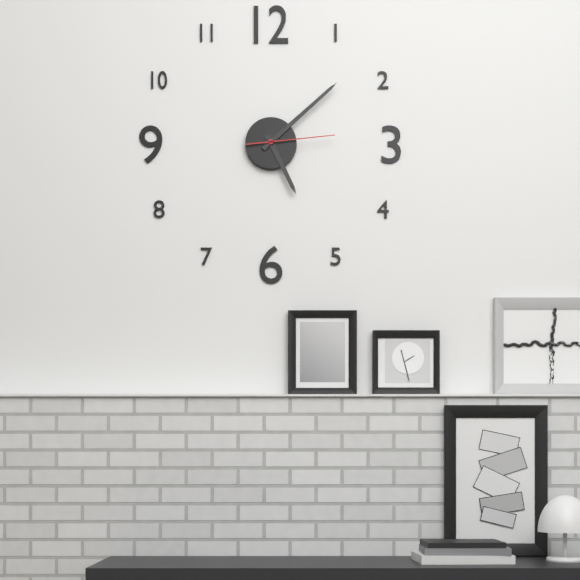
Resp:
5h08m14s
